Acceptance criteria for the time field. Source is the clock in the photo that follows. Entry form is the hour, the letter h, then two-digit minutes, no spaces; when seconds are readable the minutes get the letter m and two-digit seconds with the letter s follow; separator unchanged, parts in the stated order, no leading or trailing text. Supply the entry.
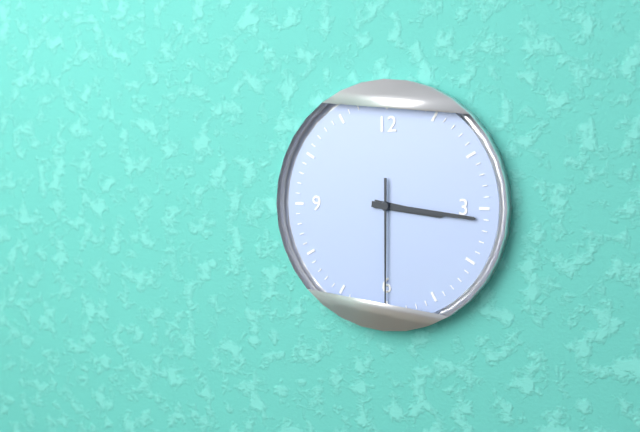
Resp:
3h16m30s
